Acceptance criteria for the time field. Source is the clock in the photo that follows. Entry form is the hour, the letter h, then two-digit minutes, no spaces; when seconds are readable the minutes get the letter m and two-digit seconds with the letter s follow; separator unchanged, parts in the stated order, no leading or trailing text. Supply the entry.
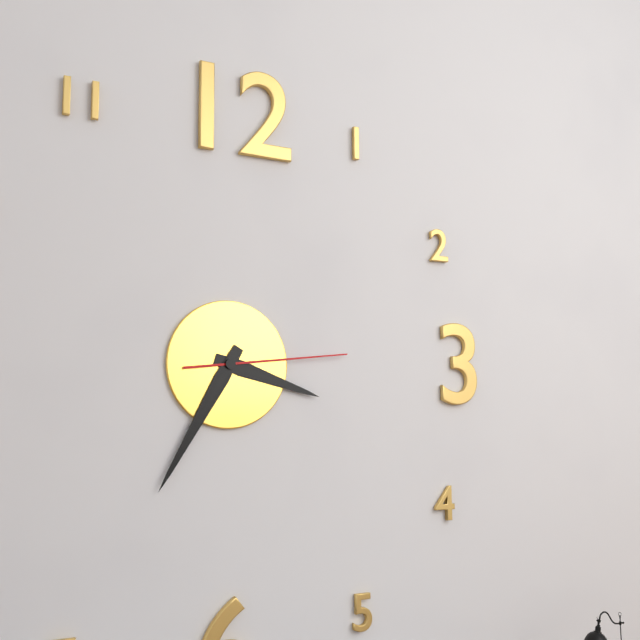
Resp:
3h35m14s
